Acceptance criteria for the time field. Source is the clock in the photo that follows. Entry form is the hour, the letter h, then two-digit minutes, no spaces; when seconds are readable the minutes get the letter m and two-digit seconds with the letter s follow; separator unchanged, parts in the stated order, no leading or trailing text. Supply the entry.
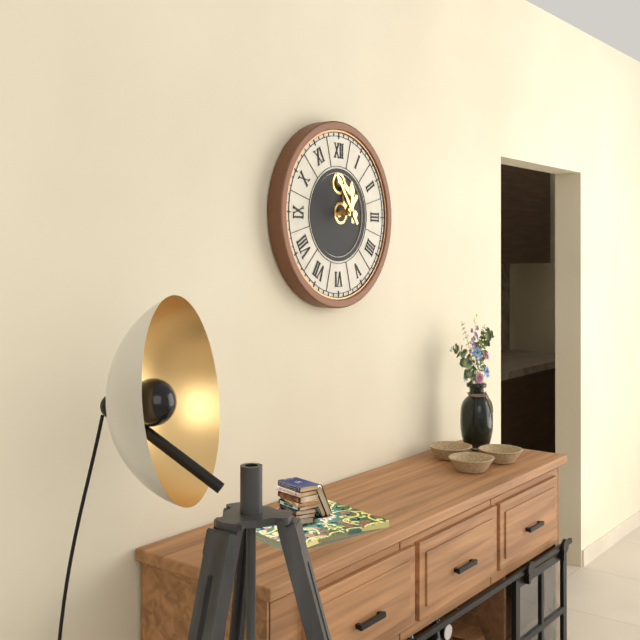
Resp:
11h54
